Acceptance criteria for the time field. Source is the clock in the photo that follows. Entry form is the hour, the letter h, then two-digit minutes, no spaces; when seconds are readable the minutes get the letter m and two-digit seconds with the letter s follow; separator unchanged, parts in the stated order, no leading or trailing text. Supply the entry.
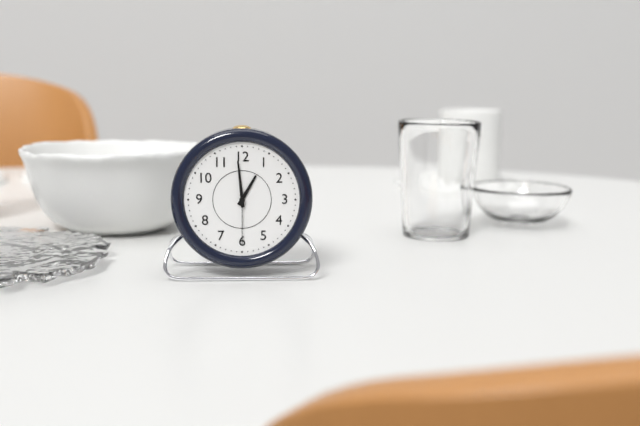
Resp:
12h59m30s
